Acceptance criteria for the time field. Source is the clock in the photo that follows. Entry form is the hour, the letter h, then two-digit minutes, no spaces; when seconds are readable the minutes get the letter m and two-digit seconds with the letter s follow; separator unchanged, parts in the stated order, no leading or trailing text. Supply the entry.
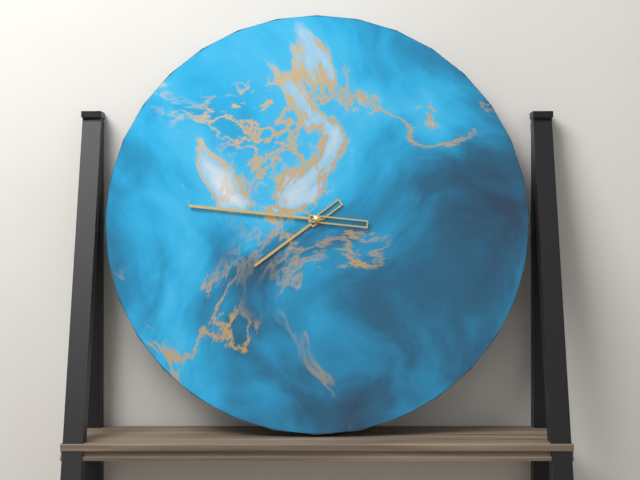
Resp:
7h46
